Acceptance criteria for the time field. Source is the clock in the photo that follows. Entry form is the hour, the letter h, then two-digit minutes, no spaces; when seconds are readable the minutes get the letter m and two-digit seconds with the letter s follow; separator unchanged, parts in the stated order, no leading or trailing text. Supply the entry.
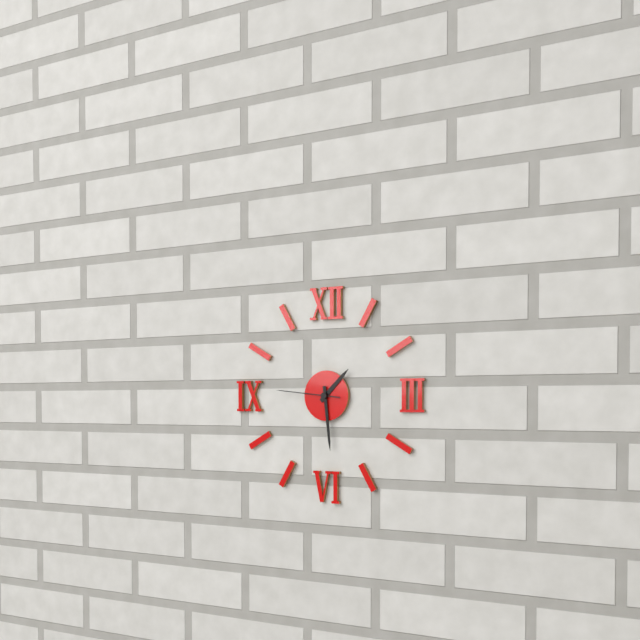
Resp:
1h29m46s
